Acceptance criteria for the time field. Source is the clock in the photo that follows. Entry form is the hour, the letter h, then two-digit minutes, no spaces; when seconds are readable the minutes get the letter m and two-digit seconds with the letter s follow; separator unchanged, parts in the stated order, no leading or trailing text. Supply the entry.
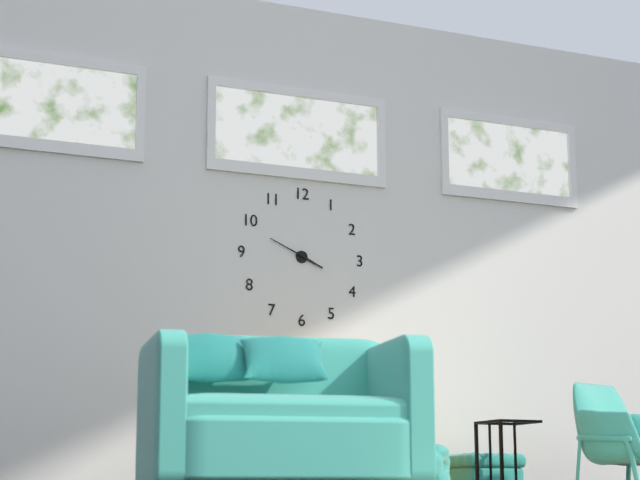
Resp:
3h49
